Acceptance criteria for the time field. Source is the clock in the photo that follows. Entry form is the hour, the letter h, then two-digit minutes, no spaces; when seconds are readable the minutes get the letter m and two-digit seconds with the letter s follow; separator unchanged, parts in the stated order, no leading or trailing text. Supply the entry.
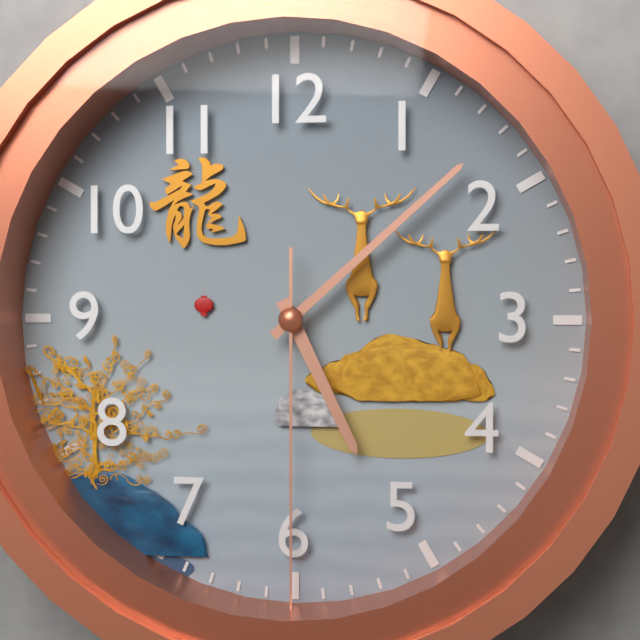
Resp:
5h08m30s
